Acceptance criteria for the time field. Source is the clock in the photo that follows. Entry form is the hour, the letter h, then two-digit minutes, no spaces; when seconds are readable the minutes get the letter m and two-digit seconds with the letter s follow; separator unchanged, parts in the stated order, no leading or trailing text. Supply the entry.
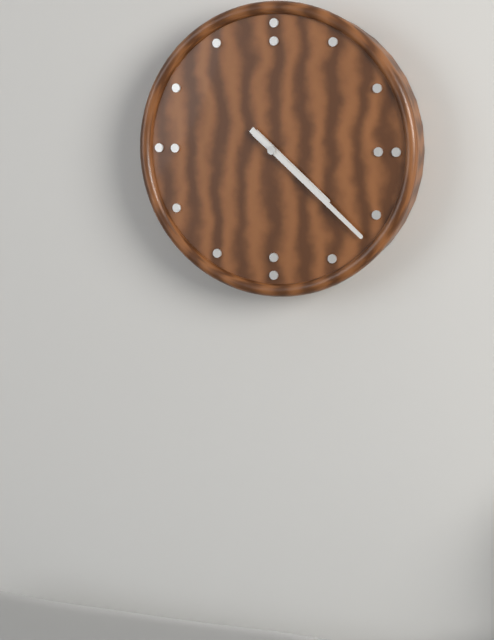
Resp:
4h22
